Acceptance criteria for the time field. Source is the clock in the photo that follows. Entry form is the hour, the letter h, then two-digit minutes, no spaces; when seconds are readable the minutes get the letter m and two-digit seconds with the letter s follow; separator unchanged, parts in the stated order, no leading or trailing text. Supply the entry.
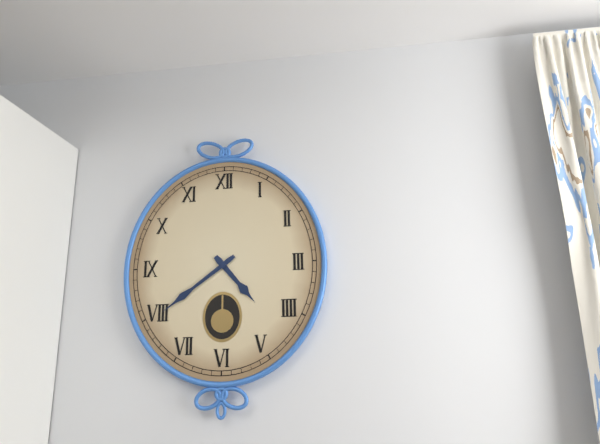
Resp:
4h39
